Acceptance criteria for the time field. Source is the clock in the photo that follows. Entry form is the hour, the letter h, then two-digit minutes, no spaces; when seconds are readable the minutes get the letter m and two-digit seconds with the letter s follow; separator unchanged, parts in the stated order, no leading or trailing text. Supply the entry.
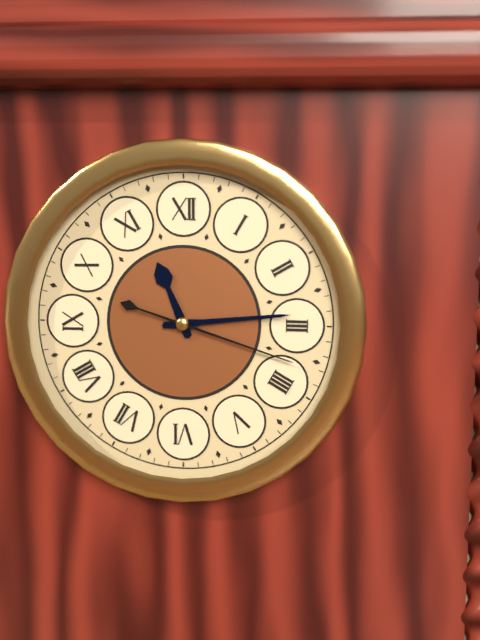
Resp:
11h14m18s
